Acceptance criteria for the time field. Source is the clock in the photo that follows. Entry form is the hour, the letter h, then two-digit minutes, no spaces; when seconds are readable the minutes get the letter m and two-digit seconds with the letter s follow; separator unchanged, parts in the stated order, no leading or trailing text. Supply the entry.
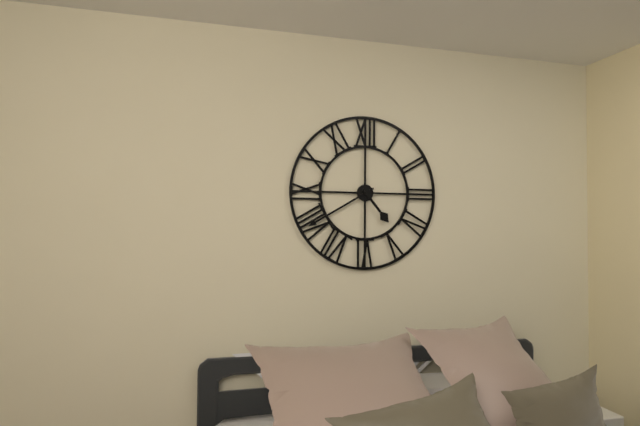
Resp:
4h40
